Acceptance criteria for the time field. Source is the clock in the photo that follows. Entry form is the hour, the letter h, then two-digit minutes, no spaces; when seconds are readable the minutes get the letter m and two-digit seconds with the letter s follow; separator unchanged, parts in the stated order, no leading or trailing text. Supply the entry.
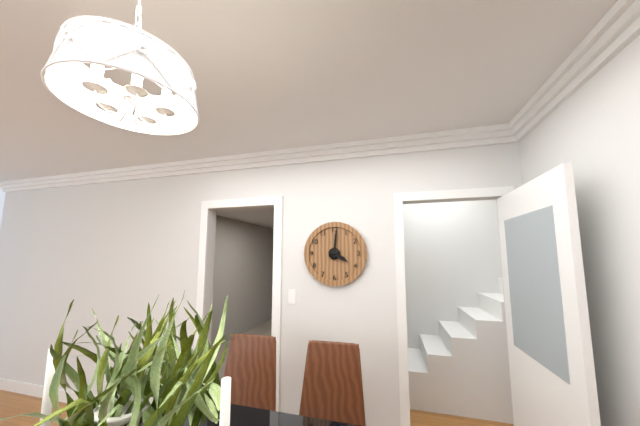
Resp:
4h01
